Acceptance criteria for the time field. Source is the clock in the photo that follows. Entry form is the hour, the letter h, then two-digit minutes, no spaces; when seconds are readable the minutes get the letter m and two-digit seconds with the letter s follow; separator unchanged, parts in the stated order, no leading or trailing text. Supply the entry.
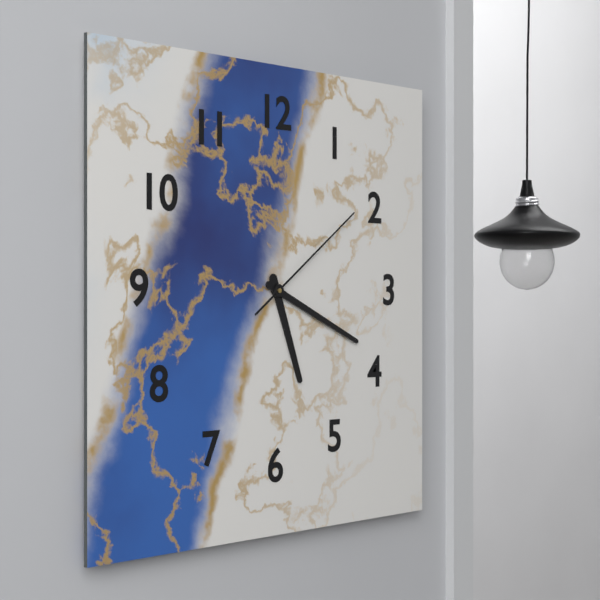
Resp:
5h19m09s
